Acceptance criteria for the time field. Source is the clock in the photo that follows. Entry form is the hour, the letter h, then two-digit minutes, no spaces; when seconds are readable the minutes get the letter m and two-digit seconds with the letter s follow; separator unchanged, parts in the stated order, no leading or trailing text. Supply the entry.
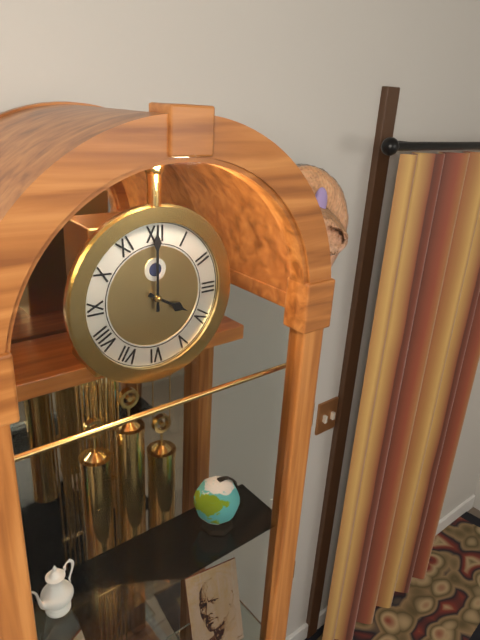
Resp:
4h00
